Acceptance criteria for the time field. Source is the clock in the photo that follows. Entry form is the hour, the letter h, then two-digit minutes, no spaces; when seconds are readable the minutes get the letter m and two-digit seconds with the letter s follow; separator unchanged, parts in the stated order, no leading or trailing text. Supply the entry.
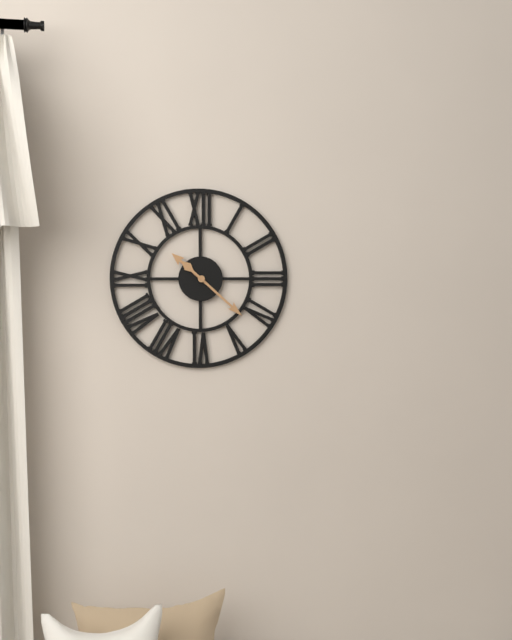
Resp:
10h22
